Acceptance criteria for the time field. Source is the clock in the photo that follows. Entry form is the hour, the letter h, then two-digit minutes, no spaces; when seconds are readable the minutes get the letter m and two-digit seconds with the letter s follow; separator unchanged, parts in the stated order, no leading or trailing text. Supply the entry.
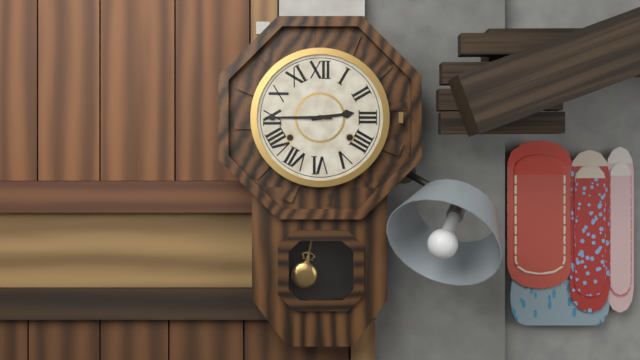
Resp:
2h45
